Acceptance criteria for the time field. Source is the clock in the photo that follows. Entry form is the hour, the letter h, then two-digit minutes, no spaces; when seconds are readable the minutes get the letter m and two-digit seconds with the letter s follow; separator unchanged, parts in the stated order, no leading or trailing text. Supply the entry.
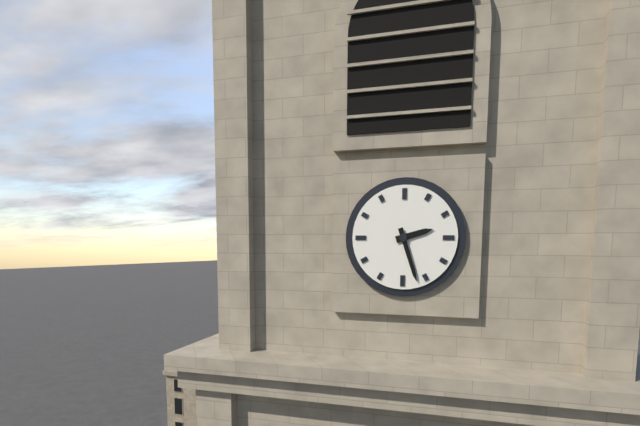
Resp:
2h27
